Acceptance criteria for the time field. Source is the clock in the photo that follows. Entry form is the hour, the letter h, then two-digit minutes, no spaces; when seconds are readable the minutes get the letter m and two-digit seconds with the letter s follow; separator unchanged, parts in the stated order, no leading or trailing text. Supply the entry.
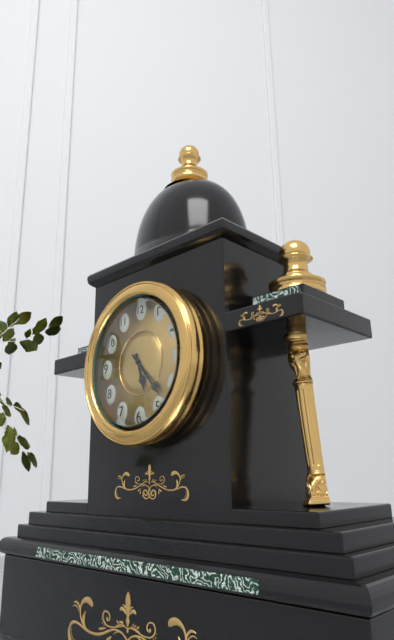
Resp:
5h23
